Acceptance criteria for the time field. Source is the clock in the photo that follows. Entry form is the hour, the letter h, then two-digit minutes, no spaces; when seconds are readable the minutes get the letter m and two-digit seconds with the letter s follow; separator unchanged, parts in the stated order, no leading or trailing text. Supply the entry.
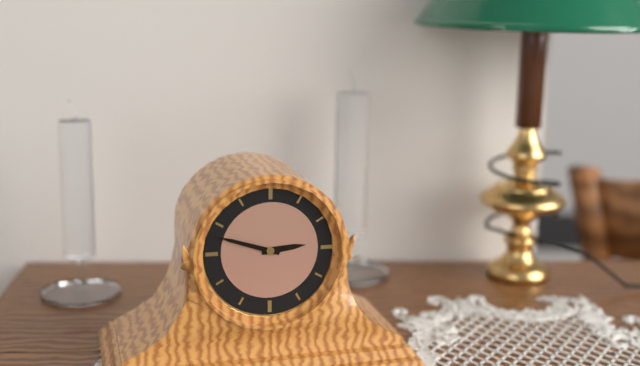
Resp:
2h48
